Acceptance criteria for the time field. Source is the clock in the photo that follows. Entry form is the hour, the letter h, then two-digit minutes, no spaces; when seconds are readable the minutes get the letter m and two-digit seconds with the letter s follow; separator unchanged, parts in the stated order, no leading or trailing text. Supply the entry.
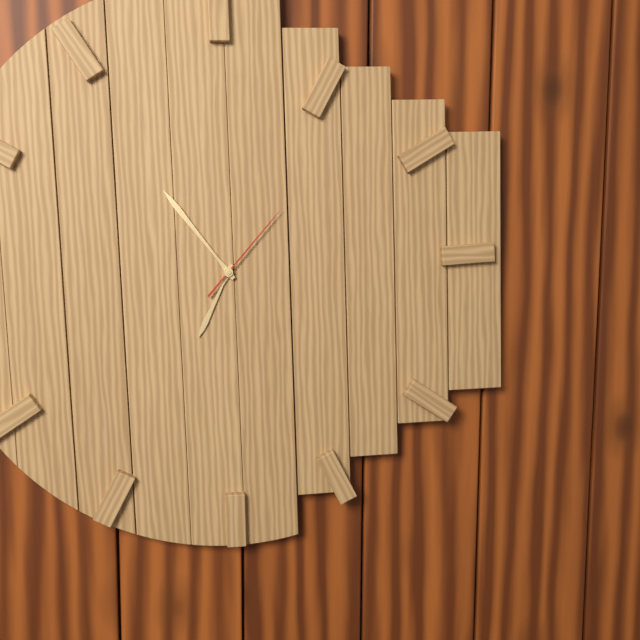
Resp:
6h54m07s
